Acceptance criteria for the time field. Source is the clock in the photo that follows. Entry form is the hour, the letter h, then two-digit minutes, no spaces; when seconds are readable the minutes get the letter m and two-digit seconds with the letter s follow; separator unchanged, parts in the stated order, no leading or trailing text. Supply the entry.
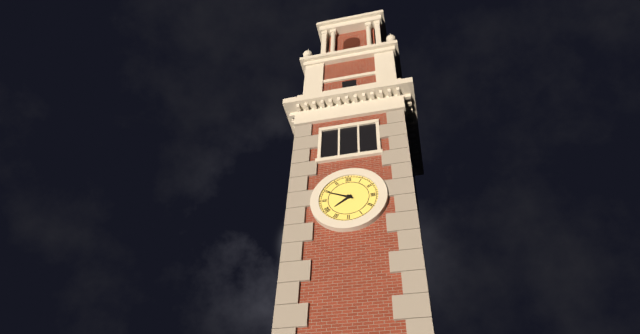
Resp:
7h49
